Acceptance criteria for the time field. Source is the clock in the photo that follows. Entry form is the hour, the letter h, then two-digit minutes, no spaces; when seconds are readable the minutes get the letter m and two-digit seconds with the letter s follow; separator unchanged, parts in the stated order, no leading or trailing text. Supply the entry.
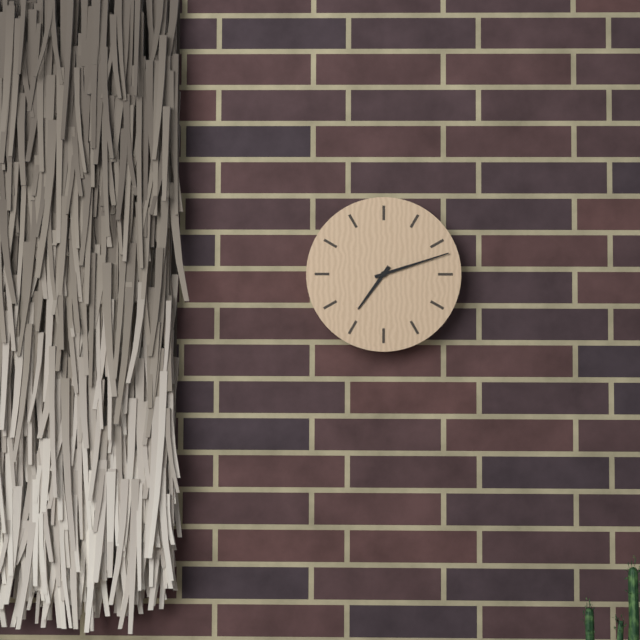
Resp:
7h12
